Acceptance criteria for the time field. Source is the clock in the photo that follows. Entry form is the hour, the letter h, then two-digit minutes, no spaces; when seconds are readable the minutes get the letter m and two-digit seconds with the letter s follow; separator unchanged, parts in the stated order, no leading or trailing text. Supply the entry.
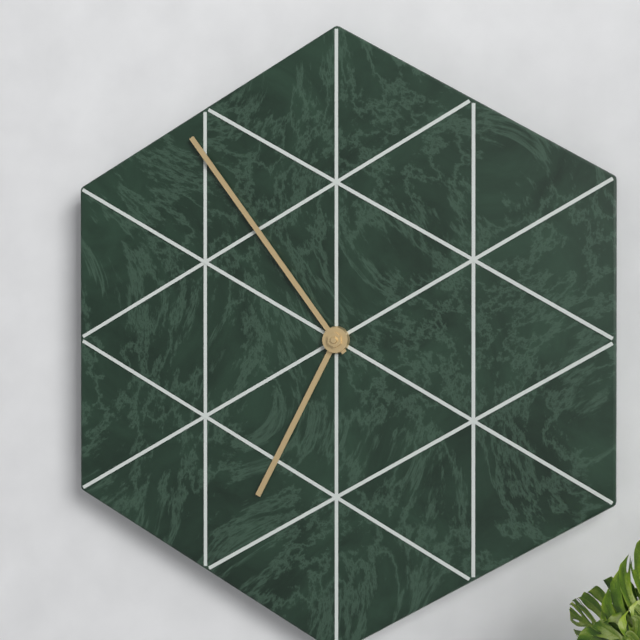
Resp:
6h54
